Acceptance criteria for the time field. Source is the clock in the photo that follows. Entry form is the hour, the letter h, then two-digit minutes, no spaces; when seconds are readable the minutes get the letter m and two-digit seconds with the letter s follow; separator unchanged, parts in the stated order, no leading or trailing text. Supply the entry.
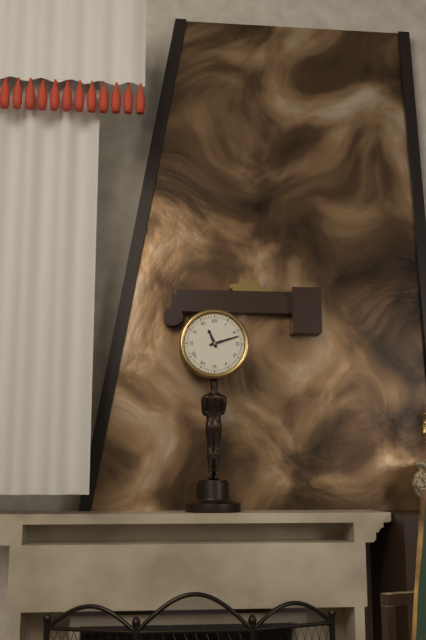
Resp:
11h12
